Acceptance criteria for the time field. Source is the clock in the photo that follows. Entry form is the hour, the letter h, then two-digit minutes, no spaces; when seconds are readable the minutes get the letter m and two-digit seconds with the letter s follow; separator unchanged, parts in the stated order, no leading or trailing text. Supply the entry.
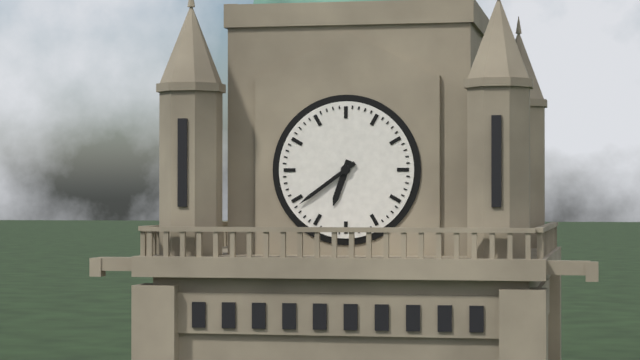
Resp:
6h39
